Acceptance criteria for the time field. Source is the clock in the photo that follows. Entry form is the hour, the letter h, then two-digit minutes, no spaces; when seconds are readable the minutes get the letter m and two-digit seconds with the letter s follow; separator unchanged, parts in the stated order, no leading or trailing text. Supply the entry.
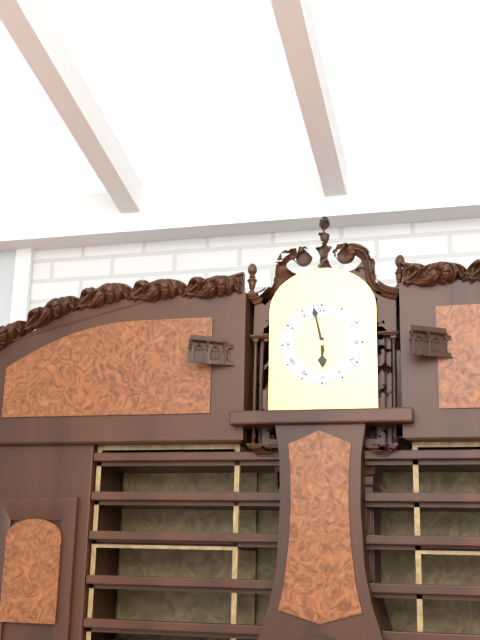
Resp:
5h58
